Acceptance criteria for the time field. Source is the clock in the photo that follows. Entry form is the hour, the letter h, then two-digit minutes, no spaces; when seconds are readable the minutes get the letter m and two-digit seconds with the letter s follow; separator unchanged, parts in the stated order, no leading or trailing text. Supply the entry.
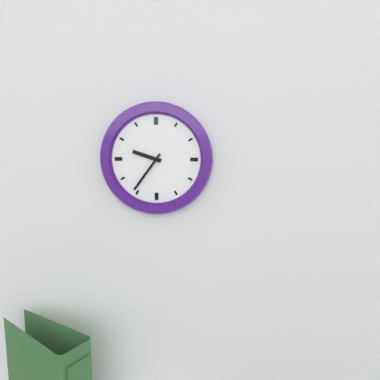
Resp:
9h36
